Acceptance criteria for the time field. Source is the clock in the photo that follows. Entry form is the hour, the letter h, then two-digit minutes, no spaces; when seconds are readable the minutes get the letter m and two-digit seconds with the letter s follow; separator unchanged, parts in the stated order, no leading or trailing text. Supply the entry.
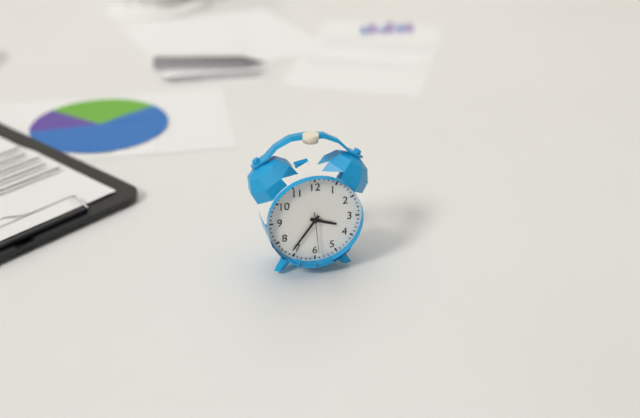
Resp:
3h36
